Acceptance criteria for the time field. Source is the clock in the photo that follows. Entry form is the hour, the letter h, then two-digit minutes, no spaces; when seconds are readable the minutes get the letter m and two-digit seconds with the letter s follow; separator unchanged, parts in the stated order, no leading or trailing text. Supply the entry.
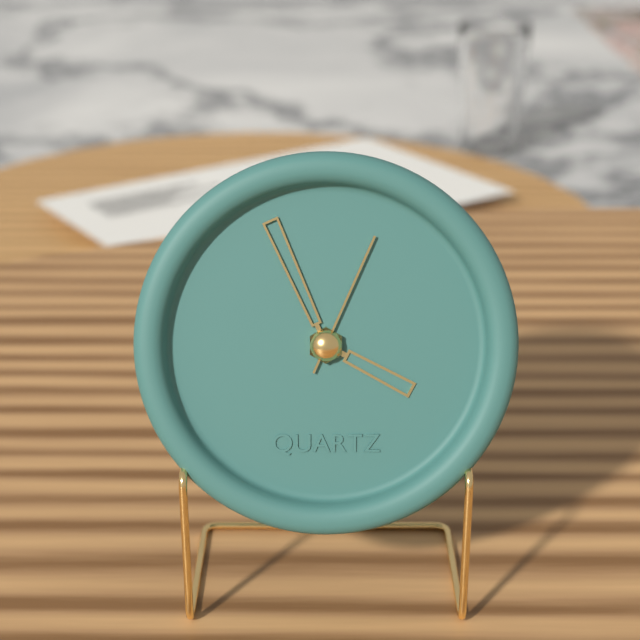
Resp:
3h56m04s
